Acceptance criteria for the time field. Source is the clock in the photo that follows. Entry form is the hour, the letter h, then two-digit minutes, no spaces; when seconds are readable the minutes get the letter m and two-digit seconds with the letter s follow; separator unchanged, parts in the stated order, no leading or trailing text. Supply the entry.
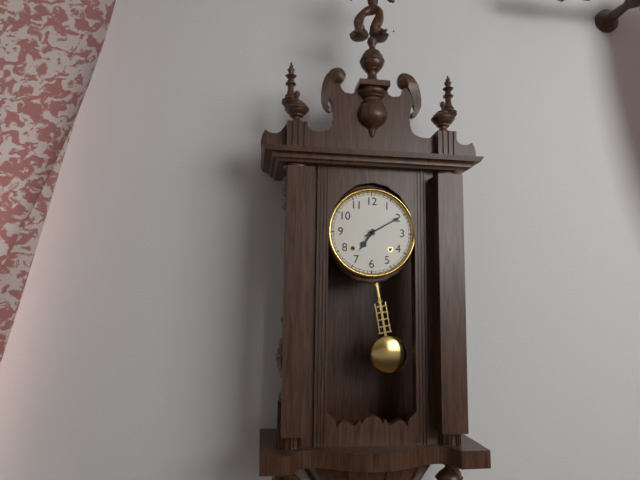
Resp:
7h10
